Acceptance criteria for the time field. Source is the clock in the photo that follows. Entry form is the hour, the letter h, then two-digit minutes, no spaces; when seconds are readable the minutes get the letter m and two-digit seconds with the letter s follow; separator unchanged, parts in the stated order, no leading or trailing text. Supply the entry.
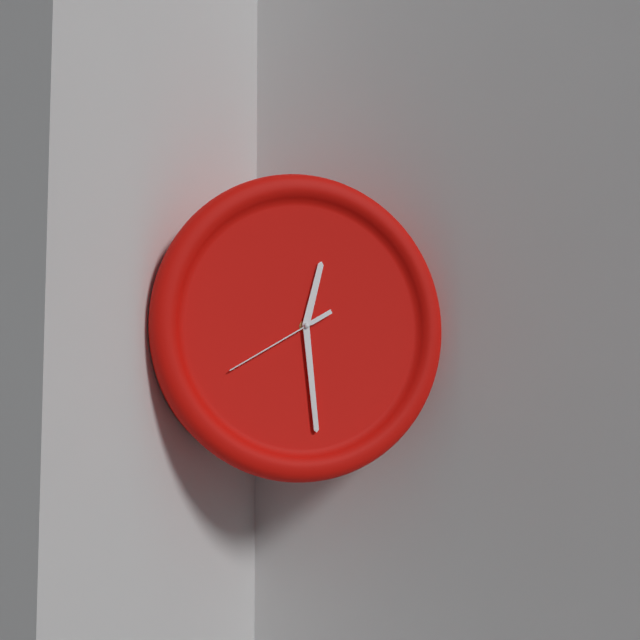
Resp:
12h29m40s
